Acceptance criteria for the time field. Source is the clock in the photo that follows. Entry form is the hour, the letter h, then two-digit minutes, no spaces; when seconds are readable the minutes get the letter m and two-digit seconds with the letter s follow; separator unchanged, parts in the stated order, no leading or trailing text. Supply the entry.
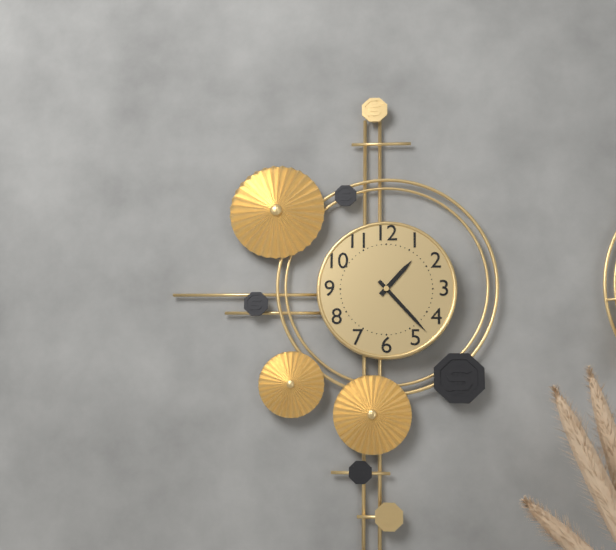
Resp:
1h23
